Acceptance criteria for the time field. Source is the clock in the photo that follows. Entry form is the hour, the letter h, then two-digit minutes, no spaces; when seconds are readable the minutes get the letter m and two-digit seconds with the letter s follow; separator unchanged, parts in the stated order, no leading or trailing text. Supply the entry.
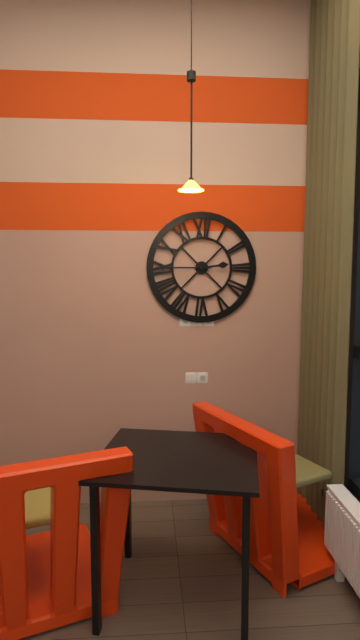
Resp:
2h45
